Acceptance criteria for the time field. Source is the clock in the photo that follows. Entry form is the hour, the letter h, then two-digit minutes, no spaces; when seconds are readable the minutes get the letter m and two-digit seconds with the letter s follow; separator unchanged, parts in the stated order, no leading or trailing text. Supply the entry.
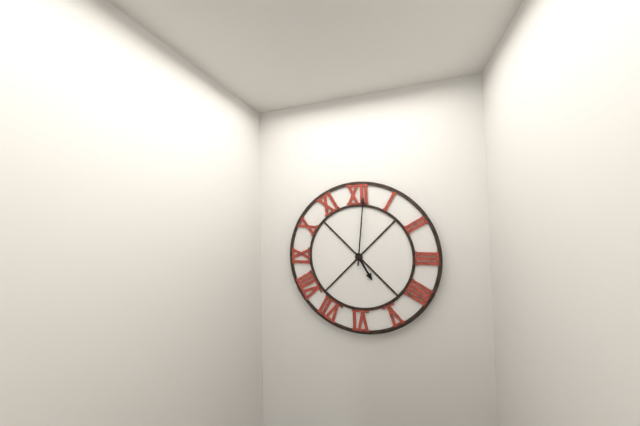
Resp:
5h01
